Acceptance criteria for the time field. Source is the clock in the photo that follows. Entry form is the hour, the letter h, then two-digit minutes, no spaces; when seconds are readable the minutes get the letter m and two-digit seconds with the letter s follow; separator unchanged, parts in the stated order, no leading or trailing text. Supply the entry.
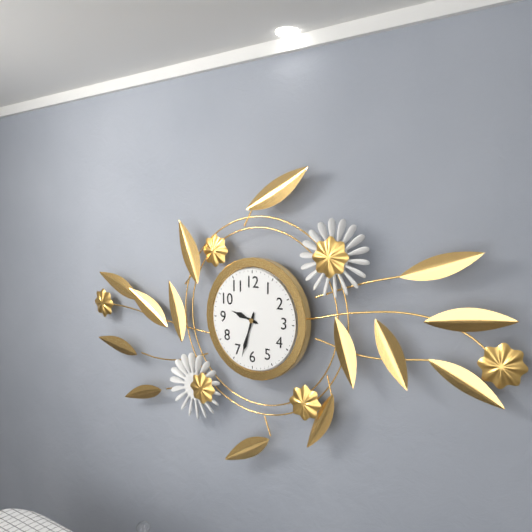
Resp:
9h33
